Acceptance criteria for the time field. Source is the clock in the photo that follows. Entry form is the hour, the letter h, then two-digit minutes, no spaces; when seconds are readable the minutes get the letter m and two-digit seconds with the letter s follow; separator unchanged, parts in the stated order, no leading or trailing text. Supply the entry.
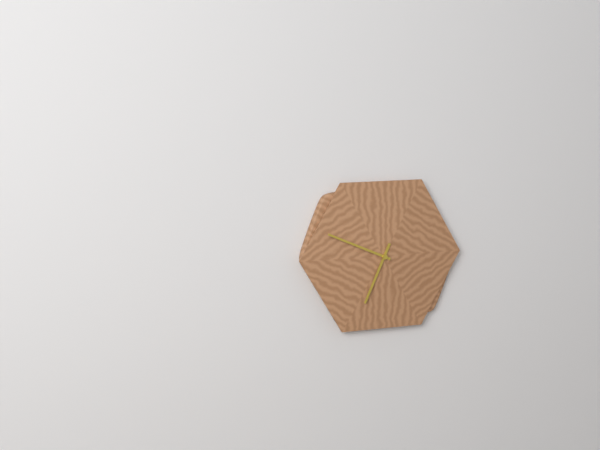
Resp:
6h49
